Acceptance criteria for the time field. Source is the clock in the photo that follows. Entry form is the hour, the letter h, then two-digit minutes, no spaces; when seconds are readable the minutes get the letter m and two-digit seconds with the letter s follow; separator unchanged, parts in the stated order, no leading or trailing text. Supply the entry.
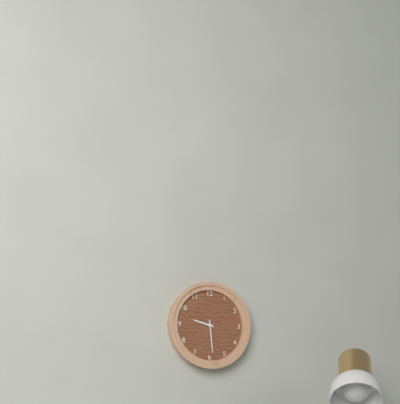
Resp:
9h29
